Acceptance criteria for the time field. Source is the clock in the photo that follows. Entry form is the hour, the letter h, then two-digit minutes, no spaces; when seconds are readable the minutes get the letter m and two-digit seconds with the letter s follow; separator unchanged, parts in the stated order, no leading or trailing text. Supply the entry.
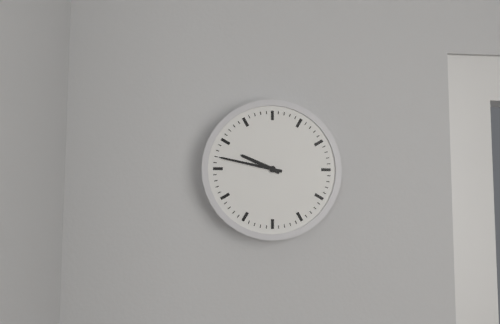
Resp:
9h47
